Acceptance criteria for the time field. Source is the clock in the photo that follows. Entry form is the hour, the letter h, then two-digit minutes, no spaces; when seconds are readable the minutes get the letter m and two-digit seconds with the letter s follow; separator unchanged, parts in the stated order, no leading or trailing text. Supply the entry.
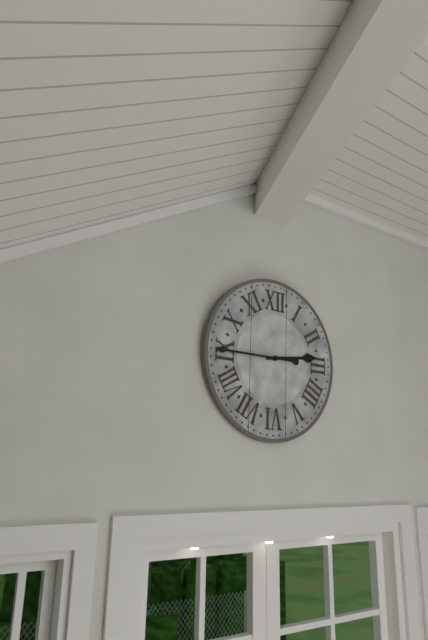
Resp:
2h45
